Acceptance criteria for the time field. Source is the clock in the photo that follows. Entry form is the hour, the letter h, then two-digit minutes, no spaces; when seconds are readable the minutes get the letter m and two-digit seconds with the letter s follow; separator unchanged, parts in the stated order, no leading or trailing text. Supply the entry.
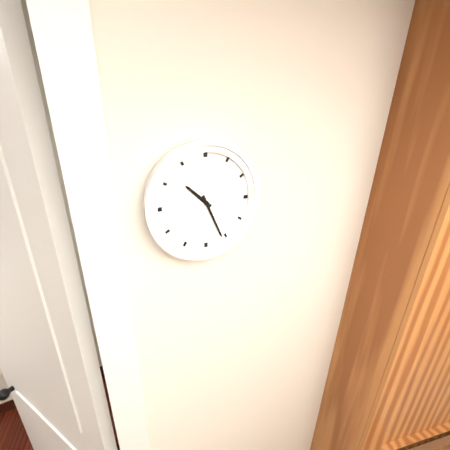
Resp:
10h26
